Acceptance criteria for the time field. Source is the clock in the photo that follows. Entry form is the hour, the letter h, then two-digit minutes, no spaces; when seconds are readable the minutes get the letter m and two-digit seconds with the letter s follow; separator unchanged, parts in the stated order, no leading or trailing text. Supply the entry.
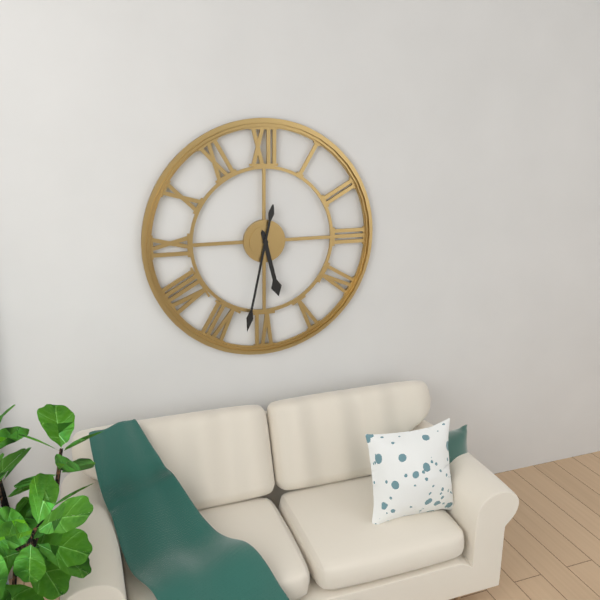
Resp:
5h32
